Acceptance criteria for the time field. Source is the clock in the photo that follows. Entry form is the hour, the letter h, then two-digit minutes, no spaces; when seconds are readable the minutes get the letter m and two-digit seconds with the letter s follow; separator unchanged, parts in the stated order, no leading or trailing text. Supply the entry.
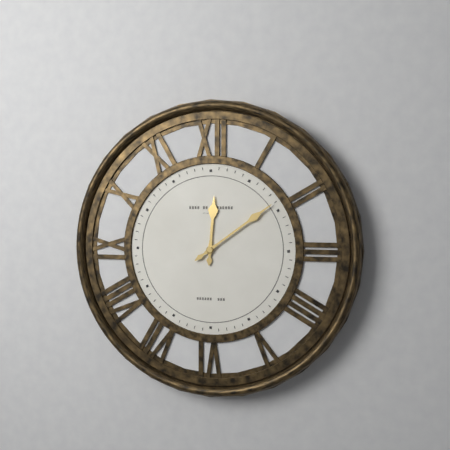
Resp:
12h09
